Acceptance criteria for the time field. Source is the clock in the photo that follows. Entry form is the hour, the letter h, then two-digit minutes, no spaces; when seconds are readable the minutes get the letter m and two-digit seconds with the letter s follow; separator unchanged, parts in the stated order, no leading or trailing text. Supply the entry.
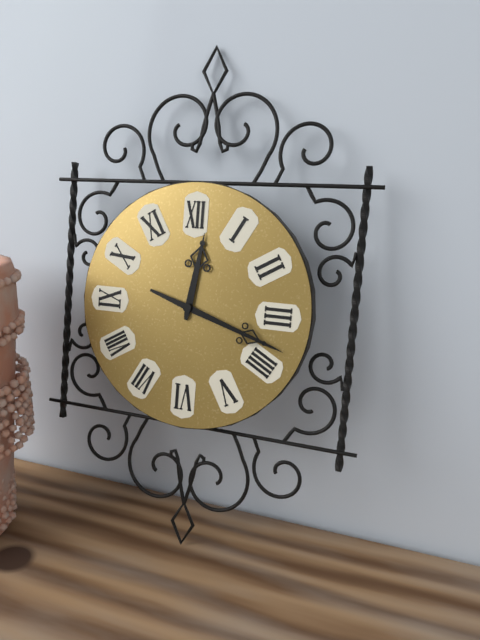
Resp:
12h18
